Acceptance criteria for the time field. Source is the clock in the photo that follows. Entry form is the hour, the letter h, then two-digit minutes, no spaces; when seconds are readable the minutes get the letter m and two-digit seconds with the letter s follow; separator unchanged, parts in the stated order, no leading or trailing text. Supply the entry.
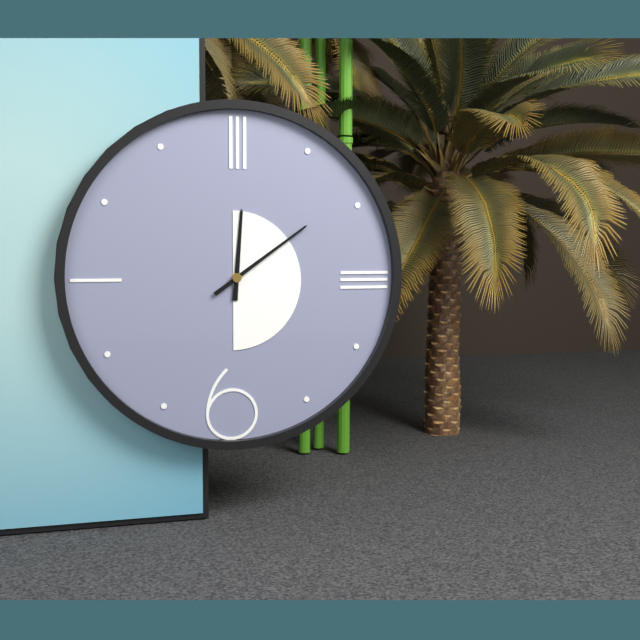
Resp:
12h09
